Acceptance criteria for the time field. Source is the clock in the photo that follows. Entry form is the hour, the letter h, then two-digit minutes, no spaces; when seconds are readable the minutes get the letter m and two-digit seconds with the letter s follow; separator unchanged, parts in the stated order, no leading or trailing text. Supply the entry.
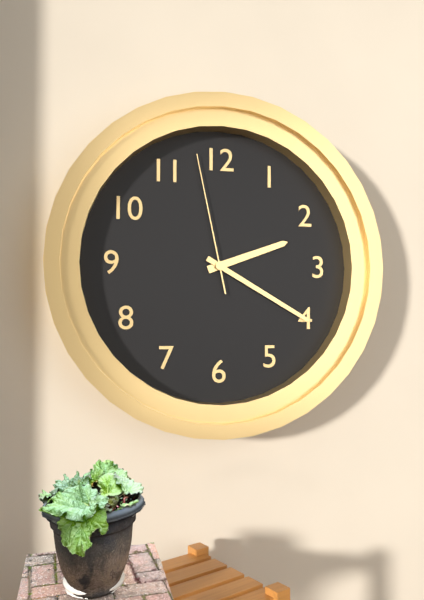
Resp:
2h20m58s
